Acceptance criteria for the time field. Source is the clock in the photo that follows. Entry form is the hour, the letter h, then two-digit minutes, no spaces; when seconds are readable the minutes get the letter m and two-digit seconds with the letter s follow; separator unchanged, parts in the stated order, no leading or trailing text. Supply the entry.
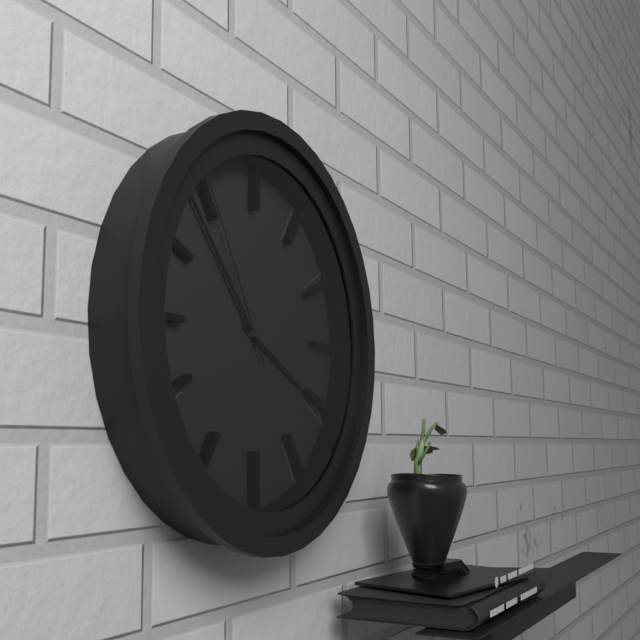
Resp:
3h53m55s
